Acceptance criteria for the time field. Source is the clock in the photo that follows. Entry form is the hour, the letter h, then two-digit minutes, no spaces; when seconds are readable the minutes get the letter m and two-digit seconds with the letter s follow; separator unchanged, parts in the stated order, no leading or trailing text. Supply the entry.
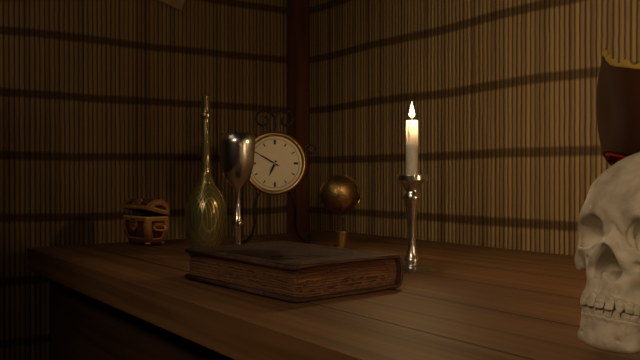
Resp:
6h50
